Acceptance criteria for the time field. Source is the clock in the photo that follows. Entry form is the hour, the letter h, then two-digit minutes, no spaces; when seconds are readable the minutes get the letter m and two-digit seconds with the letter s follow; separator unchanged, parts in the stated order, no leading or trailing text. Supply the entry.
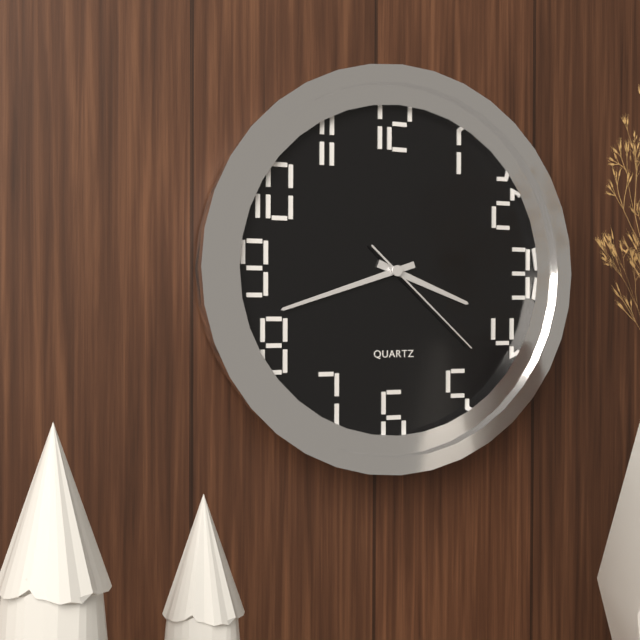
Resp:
3h42m22s
